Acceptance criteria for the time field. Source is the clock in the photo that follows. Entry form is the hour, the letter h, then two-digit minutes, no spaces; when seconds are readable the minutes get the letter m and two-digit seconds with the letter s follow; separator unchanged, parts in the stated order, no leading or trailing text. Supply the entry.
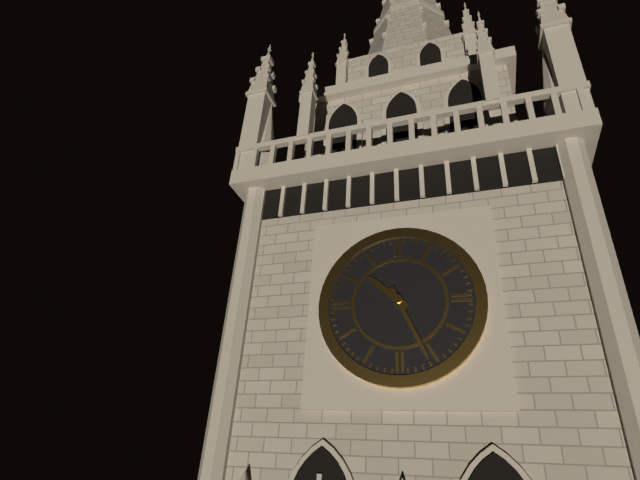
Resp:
10h26
